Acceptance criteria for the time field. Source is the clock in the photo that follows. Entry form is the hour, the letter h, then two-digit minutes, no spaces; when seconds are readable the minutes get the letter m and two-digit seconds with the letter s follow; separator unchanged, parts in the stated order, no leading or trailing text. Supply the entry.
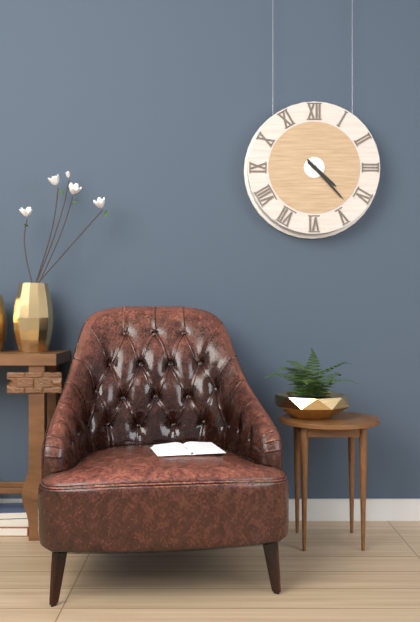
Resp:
4h23
